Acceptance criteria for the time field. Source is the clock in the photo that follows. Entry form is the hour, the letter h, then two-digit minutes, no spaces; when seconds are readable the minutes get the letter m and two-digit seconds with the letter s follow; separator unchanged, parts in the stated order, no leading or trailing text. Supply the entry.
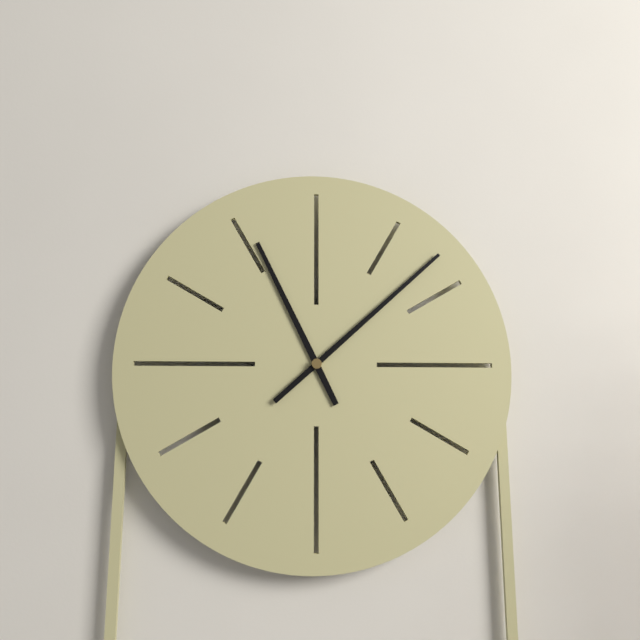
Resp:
11h08
